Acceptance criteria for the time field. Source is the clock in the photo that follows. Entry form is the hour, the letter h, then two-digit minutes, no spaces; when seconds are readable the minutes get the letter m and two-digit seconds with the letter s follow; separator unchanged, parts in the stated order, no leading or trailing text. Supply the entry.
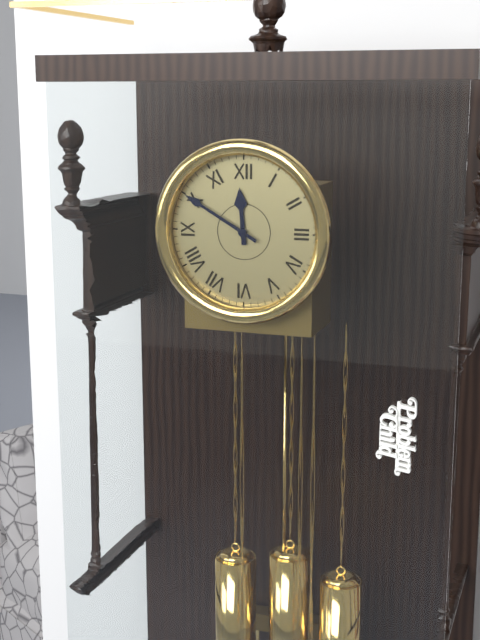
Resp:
11h50
